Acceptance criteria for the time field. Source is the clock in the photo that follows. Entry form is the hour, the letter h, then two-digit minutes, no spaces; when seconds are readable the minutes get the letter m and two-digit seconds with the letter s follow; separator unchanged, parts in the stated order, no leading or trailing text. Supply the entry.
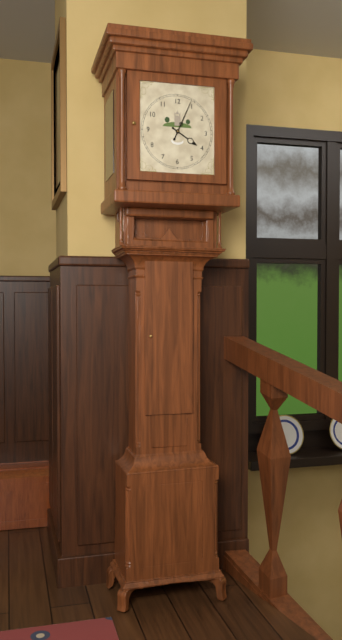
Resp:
4h04
